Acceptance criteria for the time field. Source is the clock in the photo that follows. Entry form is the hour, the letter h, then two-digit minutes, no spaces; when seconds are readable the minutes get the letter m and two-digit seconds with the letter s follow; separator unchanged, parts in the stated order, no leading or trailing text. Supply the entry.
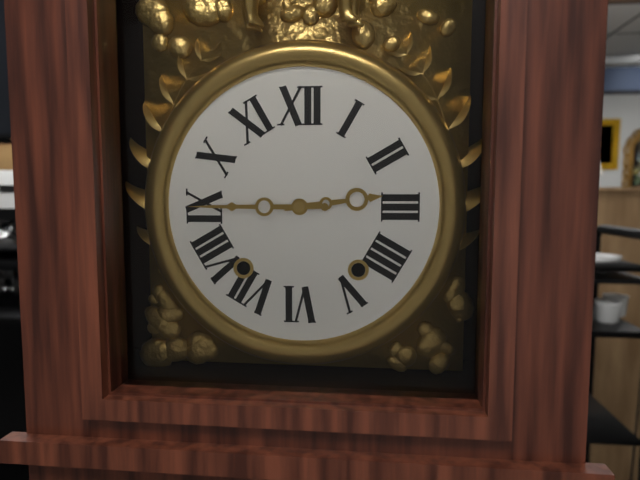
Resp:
2h45
